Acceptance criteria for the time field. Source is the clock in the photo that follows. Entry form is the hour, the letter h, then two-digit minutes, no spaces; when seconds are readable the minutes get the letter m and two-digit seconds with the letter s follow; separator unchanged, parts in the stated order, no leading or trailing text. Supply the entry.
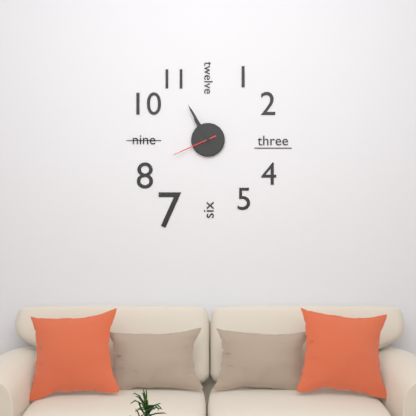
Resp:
10h55
